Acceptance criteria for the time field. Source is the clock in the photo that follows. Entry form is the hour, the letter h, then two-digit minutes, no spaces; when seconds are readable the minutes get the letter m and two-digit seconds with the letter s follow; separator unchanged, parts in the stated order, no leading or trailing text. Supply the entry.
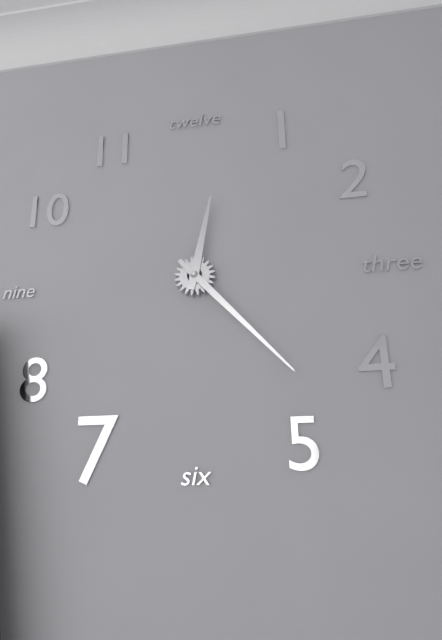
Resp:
12h23
